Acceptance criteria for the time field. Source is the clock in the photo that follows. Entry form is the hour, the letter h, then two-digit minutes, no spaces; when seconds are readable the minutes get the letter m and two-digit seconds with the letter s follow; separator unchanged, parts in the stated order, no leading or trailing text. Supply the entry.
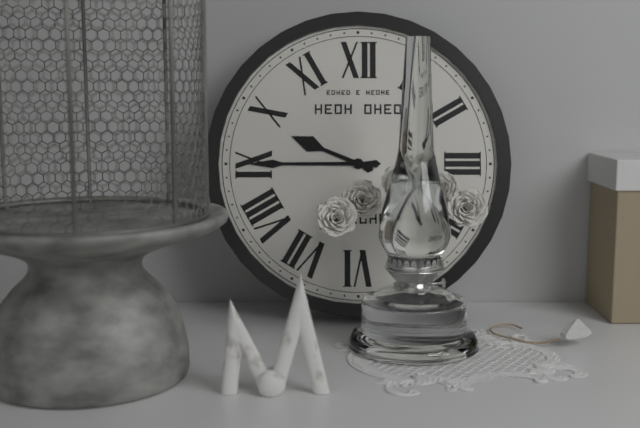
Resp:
9h45
